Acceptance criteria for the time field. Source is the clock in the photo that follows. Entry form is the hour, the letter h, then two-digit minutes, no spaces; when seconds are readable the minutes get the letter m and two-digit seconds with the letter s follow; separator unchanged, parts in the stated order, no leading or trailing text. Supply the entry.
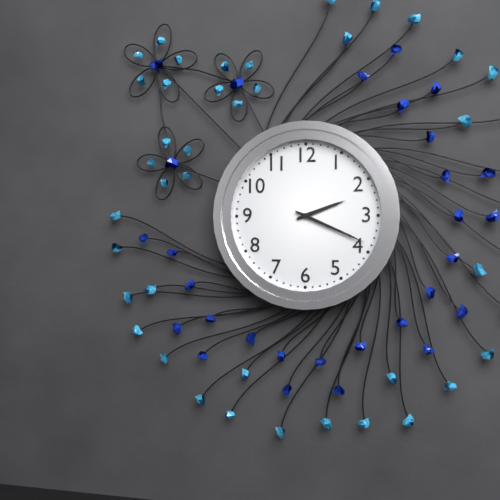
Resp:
2h19
